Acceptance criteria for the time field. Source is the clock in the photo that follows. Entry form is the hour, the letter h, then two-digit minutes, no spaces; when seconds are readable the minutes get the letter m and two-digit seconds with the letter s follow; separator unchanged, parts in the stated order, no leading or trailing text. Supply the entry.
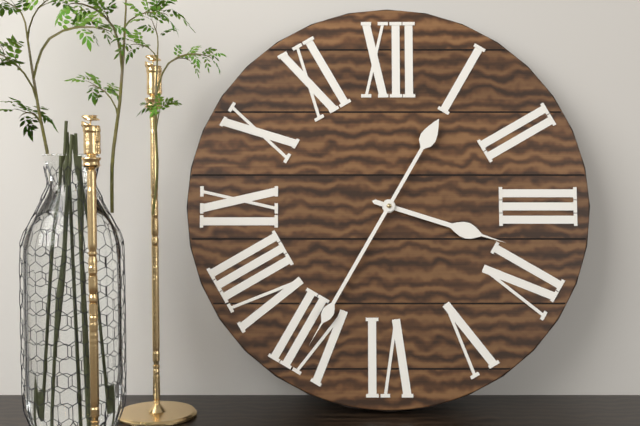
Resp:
3h35
